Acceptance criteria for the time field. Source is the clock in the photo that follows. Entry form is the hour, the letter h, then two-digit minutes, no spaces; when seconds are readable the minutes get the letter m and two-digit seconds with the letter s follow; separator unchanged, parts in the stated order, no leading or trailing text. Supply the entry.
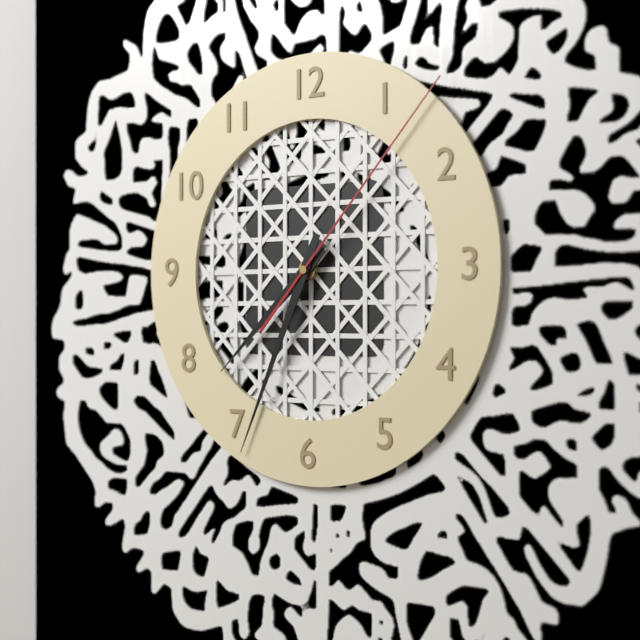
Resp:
7h34m07s
